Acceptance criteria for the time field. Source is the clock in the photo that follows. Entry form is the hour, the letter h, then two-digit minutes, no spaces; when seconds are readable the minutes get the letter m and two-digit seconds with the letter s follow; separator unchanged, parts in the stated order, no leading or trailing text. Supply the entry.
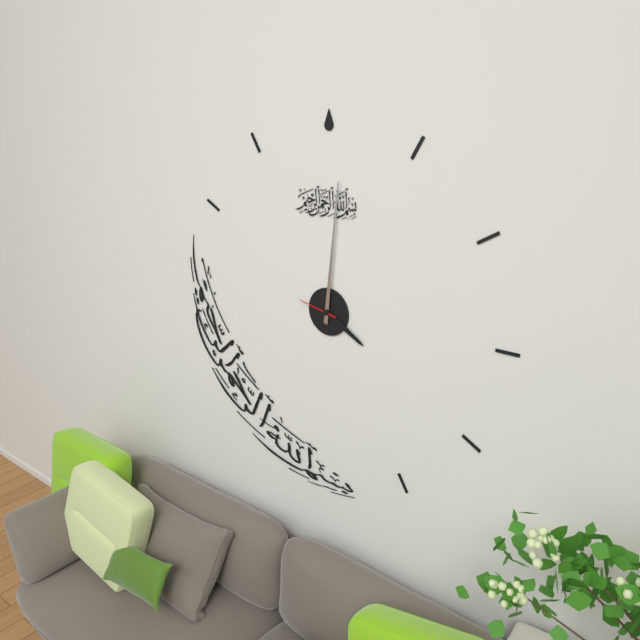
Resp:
4h01
